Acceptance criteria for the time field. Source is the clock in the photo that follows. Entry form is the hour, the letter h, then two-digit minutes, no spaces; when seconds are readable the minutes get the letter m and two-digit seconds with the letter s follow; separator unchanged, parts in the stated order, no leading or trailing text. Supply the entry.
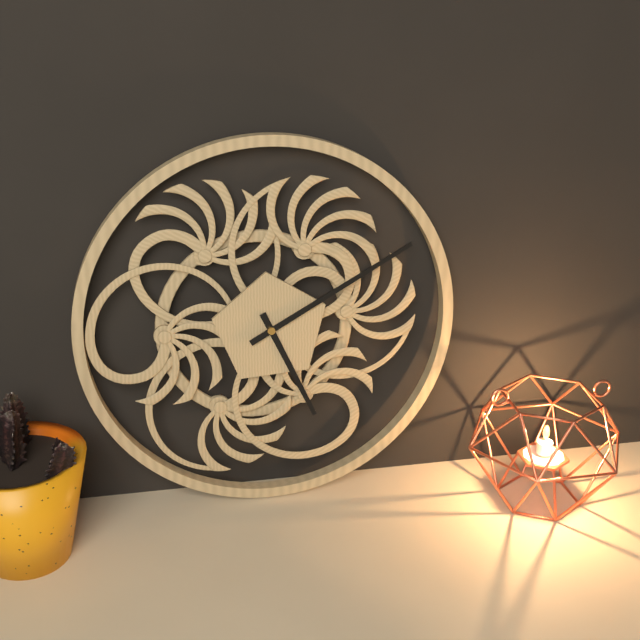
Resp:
5h10
